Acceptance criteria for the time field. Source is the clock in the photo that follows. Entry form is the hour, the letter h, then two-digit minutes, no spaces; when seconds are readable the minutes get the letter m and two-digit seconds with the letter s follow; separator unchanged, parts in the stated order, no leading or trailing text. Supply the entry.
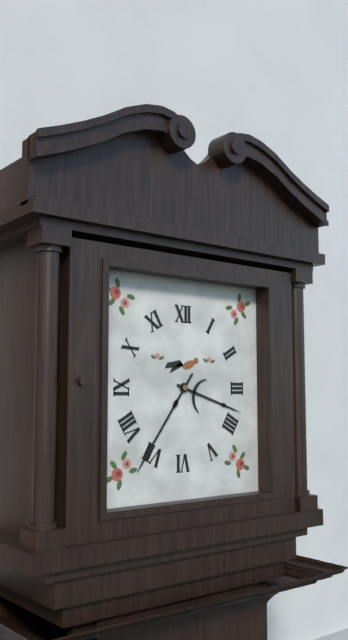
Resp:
3h36
